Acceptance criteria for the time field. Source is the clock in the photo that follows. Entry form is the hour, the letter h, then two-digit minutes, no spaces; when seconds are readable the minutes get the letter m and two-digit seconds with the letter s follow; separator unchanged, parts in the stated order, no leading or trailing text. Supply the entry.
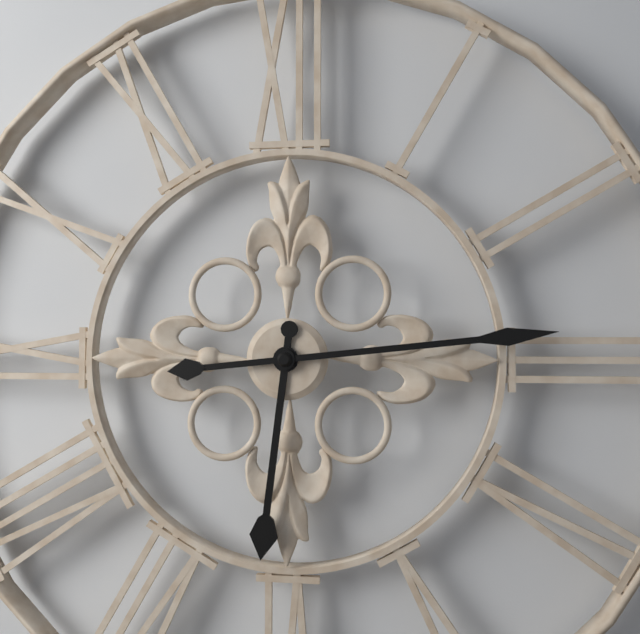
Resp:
6h14
